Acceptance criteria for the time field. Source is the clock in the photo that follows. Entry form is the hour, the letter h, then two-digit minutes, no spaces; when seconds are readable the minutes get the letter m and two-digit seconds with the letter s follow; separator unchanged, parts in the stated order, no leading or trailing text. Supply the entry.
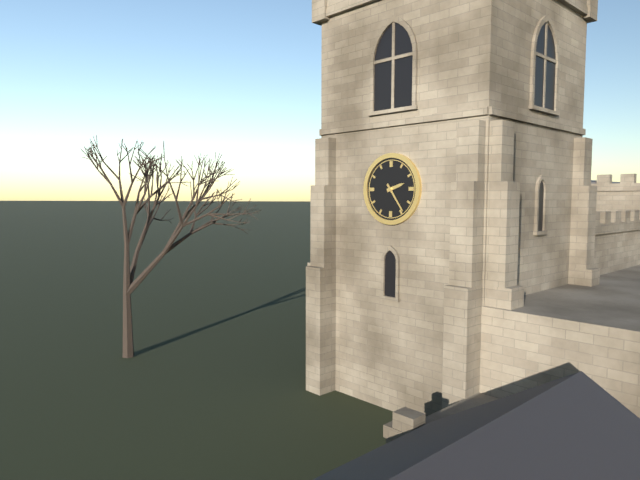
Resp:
2h24
